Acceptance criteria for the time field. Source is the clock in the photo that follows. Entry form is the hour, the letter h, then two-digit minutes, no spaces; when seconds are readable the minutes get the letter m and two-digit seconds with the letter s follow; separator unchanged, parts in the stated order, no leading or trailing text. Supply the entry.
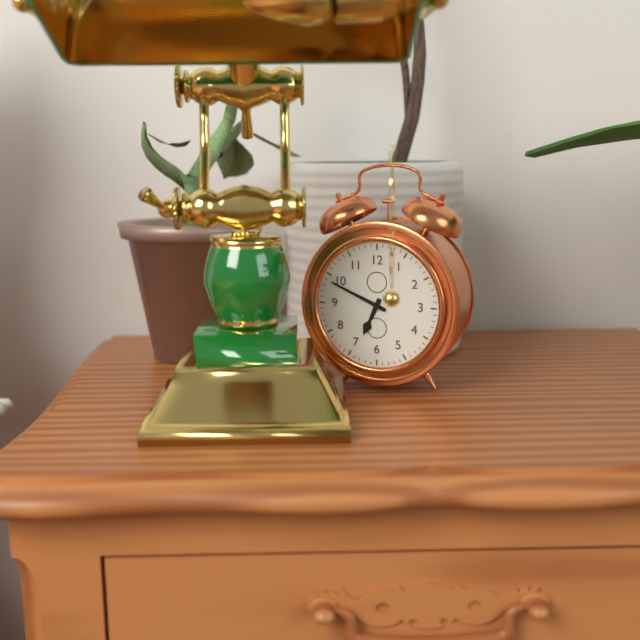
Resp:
6h49
